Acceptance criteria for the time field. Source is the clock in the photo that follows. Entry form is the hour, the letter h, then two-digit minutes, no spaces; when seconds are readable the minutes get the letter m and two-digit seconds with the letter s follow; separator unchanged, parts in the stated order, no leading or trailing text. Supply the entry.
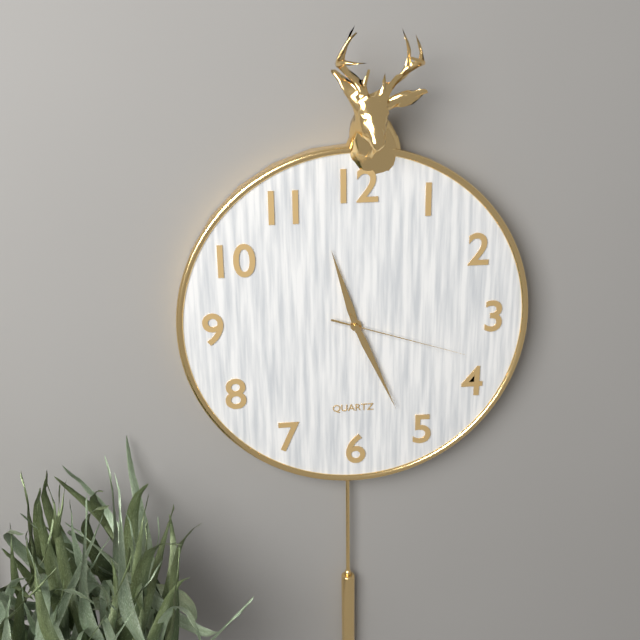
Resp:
11h26m18s
